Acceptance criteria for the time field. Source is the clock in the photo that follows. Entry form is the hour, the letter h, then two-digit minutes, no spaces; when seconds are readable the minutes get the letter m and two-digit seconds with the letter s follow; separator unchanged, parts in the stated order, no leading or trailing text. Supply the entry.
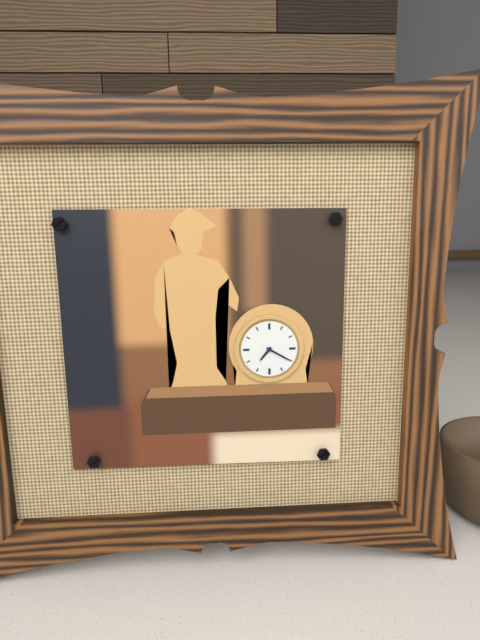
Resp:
7h20
